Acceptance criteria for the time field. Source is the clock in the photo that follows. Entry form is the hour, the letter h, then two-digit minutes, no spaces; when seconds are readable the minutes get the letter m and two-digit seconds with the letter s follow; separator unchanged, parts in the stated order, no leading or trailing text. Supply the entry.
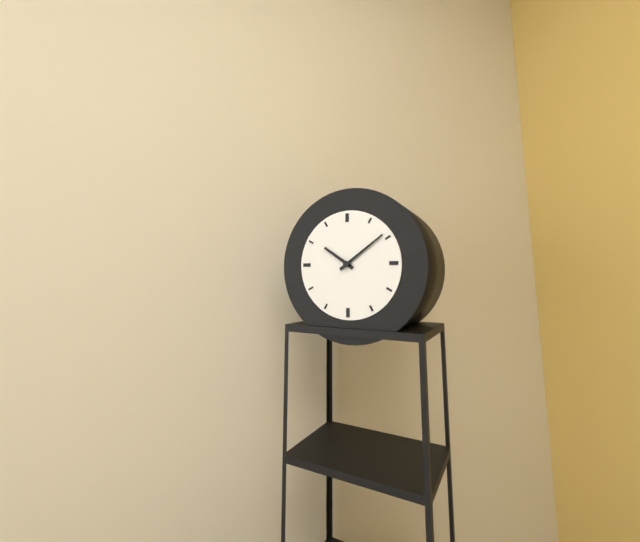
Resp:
10h09
